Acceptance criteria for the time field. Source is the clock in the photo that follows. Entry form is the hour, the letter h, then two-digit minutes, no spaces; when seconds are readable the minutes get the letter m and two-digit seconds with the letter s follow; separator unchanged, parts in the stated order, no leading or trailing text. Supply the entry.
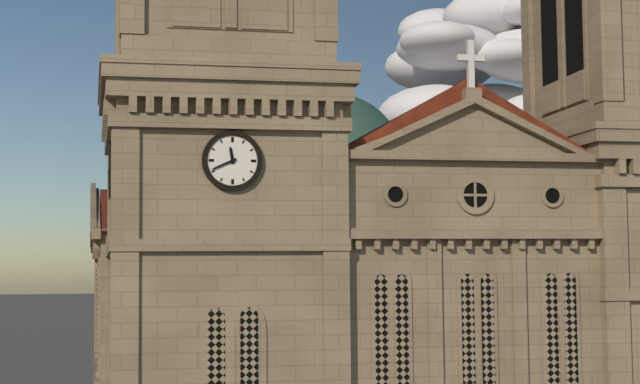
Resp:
11h41
